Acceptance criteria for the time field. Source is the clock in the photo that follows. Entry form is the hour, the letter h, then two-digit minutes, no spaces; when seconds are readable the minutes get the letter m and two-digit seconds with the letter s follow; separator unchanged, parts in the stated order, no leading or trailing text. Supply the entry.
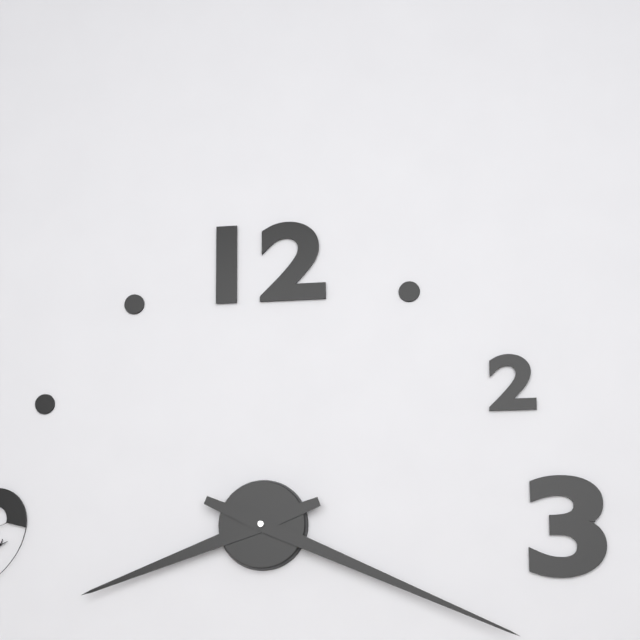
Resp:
8h19
